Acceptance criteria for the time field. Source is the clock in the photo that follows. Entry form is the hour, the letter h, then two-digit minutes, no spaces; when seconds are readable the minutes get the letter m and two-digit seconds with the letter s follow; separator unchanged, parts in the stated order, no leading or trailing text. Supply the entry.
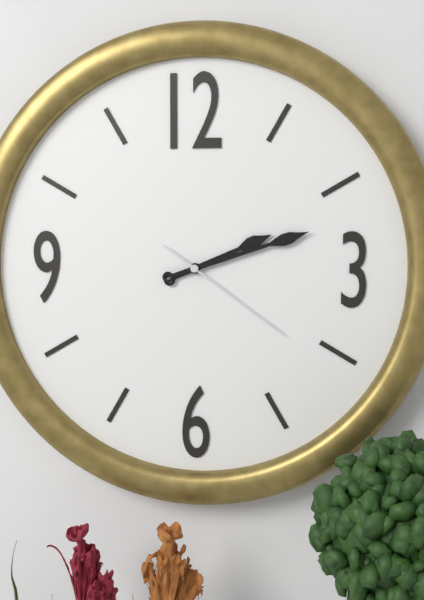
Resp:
2h12m21s
